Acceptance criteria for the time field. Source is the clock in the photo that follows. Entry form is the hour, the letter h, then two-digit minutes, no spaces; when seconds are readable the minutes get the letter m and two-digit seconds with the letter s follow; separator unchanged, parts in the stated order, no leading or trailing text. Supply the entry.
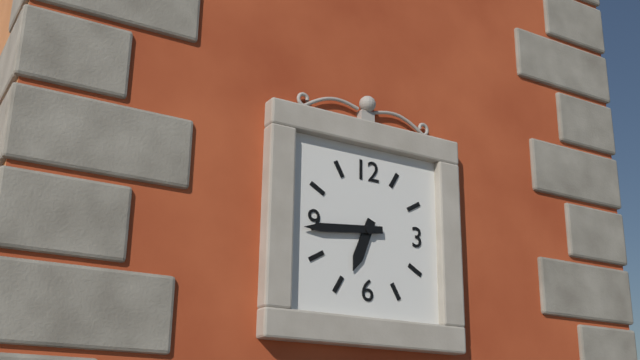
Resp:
6h44
